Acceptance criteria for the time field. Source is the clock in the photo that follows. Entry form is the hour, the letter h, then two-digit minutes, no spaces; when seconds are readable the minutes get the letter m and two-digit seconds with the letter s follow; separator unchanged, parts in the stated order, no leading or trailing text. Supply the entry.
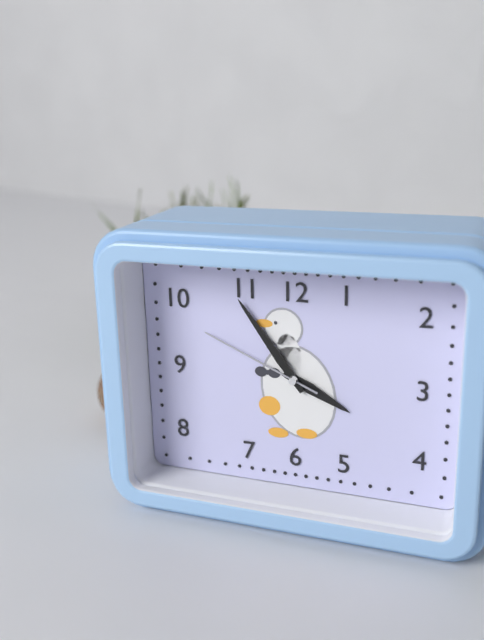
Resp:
3h54m49s
